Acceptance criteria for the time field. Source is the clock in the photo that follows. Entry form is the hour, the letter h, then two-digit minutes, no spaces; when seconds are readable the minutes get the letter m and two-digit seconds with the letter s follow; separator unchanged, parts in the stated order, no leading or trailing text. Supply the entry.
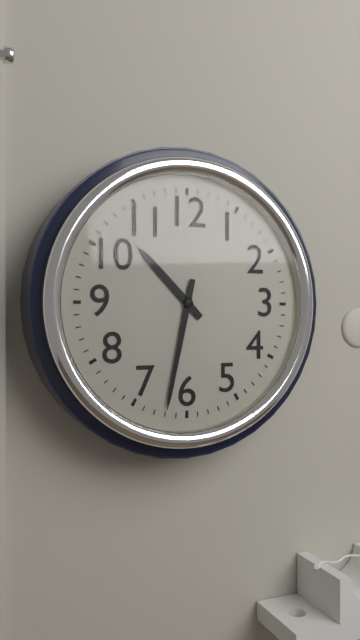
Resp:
10h32
